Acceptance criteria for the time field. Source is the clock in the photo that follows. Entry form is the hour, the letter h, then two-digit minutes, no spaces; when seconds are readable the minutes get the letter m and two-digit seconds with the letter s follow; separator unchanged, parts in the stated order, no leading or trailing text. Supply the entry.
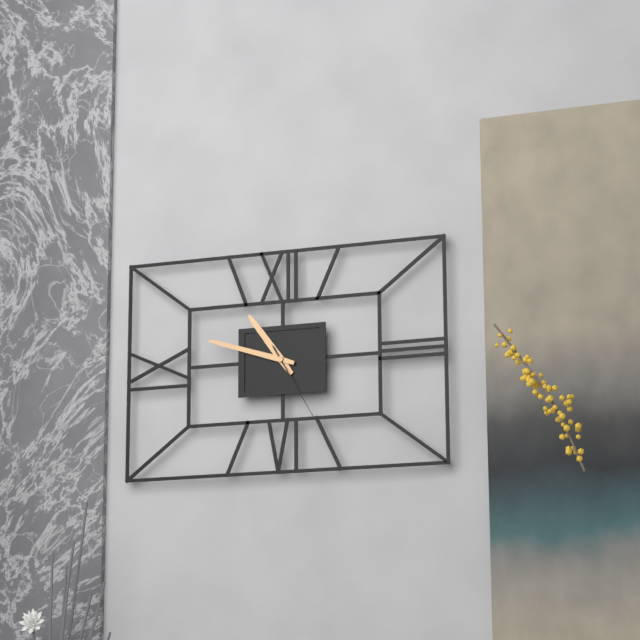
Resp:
10h48m25s
